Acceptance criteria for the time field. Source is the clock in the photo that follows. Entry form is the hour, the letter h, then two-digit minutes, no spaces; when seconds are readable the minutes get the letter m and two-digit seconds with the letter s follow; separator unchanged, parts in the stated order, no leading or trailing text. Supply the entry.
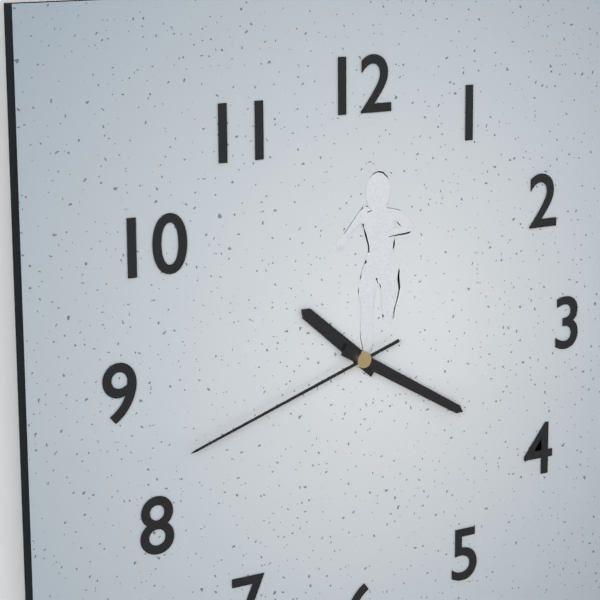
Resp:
10h20m42s
